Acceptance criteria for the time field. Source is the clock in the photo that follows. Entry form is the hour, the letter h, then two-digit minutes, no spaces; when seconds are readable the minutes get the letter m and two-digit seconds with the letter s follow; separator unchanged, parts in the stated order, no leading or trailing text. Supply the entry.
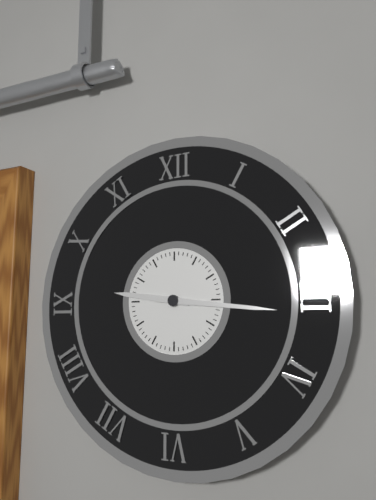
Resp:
9h16
